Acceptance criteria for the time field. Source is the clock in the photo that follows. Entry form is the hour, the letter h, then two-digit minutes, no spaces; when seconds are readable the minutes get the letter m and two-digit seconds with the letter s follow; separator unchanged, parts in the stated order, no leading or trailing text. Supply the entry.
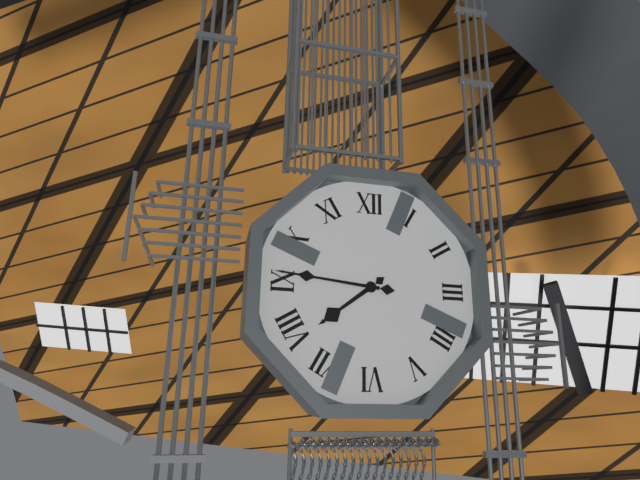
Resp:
7h46
